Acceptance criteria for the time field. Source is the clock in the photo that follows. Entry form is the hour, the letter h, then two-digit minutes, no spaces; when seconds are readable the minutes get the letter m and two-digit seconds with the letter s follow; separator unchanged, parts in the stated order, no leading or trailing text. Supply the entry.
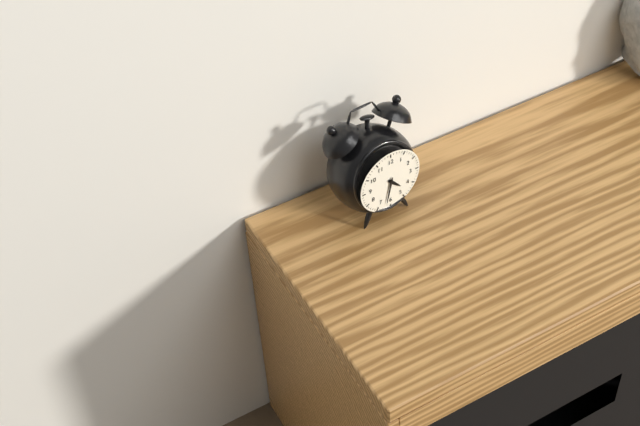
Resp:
4h32
